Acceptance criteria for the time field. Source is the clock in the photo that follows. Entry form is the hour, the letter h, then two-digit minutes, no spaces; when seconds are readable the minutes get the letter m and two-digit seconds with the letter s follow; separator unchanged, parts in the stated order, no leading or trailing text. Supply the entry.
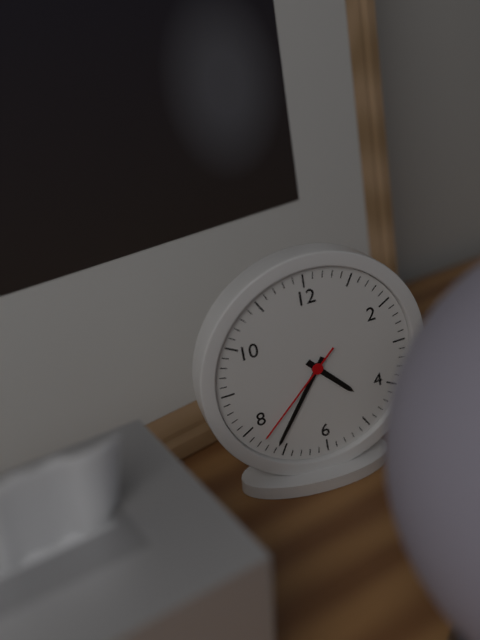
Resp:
4h36m38s
